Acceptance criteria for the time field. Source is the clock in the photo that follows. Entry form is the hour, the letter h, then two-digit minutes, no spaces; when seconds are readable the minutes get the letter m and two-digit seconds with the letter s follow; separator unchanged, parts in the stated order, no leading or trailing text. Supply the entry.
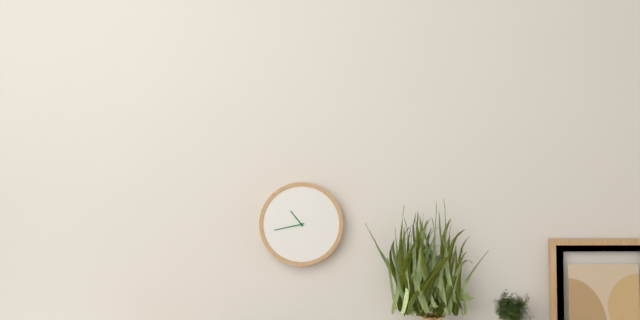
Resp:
10h43
